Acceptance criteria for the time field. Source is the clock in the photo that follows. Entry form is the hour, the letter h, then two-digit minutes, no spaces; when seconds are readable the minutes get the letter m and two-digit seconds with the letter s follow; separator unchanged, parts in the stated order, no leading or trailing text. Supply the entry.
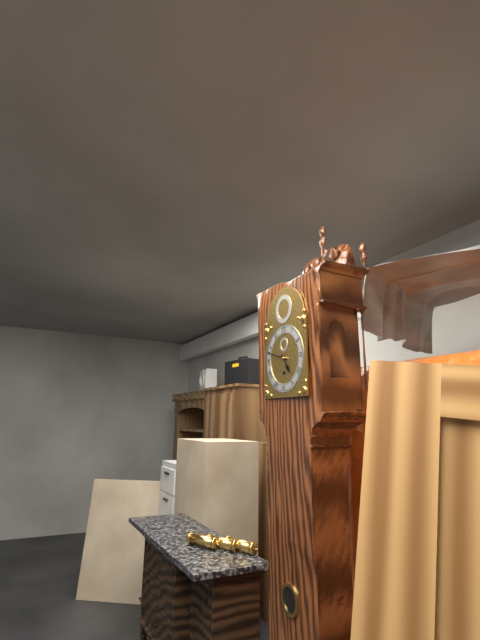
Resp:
4h48
